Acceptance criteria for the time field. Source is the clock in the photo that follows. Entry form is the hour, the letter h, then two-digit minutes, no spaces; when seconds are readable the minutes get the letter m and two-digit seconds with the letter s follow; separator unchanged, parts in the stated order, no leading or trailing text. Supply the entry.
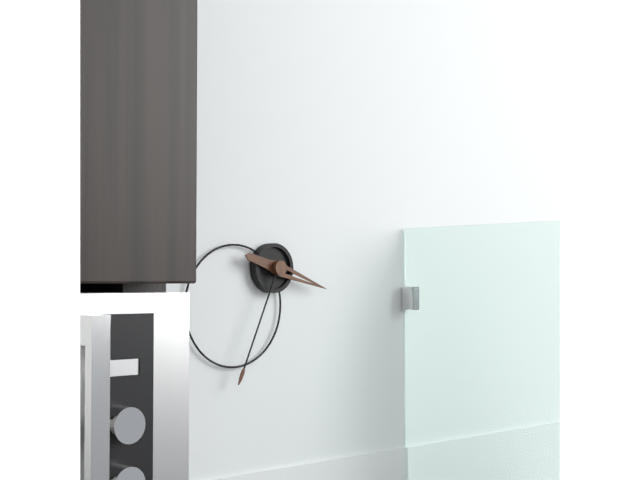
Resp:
3h34
